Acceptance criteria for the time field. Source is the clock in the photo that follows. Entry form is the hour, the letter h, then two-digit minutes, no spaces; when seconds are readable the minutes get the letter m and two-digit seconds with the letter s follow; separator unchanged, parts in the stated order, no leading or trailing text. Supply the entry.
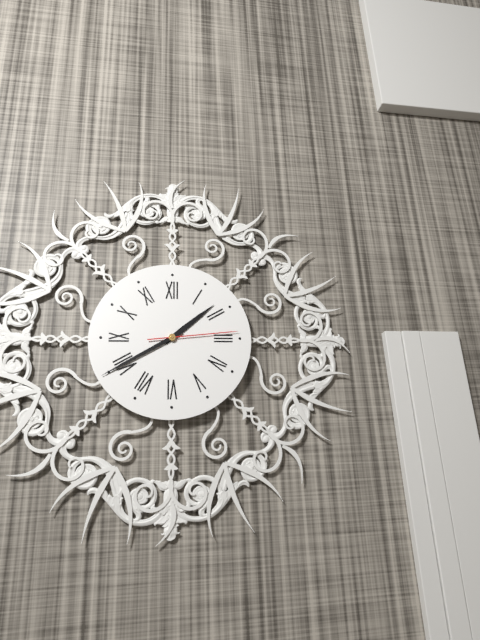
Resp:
1h40m14s
